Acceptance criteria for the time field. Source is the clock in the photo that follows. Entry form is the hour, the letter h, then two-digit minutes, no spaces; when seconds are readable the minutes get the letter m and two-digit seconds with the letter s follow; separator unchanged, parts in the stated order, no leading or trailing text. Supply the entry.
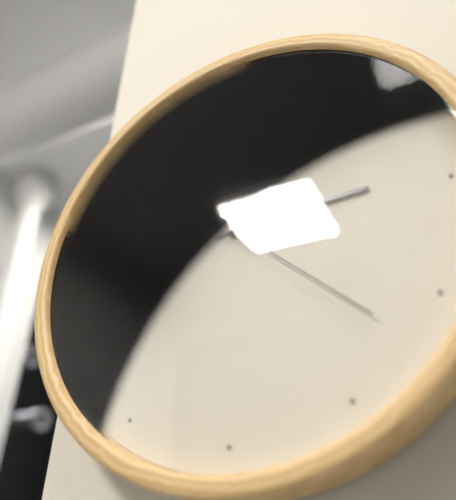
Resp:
2h53m22s
